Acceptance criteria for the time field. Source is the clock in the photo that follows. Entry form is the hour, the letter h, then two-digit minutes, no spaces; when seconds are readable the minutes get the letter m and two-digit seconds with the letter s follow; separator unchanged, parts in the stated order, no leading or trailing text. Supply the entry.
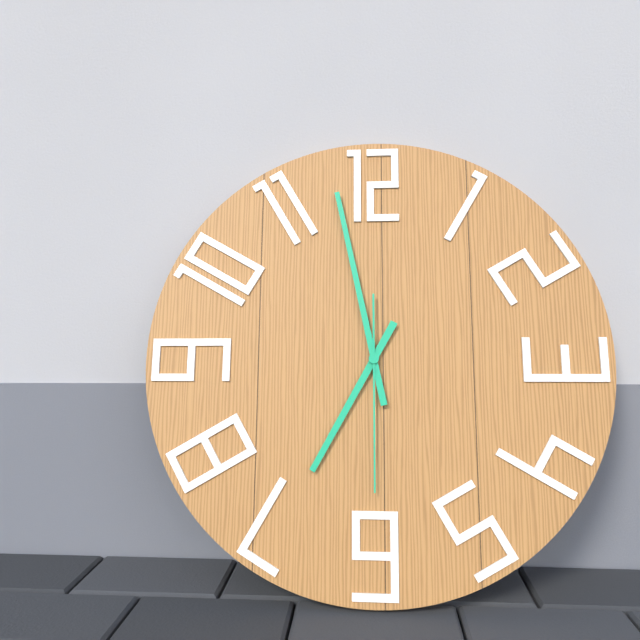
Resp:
6h58m30s
